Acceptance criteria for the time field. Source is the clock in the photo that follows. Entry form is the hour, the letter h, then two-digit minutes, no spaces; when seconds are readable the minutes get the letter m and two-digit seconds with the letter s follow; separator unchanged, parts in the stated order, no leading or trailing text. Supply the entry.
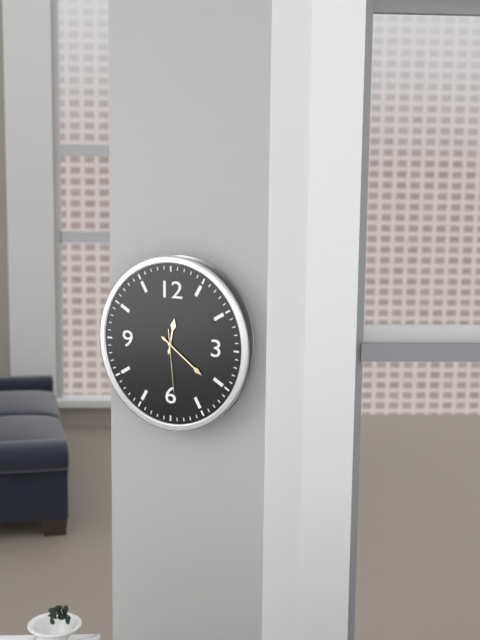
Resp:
12h21m29s
